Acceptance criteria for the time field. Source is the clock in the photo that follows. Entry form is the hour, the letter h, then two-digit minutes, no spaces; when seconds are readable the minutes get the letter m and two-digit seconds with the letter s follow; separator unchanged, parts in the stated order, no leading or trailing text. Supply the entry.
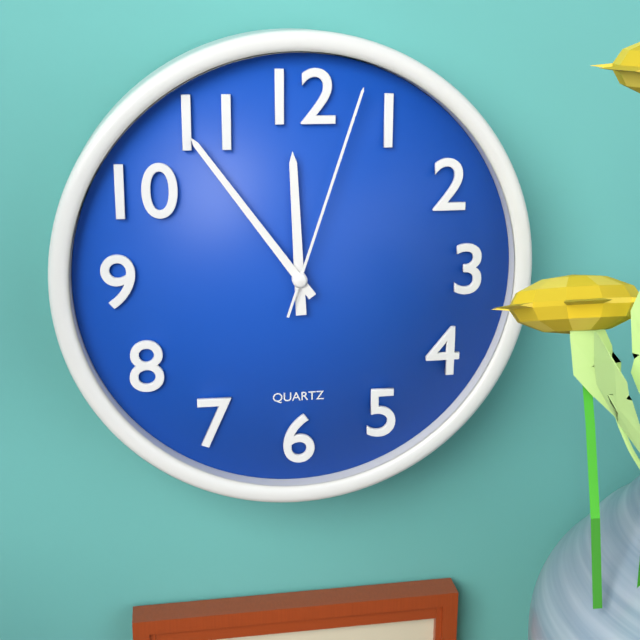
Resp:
11h54m03s
